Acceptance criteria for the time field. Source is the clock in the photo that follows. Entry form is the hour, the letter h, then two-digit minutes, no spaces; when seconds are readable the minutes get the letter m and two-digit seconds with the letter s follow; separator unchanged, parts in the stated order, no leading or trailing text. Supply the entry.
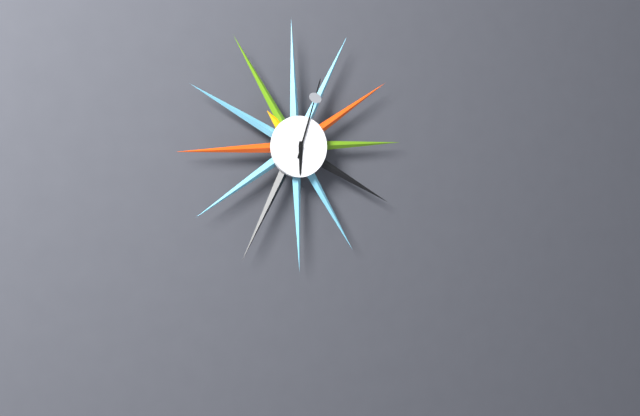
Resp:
6h03
